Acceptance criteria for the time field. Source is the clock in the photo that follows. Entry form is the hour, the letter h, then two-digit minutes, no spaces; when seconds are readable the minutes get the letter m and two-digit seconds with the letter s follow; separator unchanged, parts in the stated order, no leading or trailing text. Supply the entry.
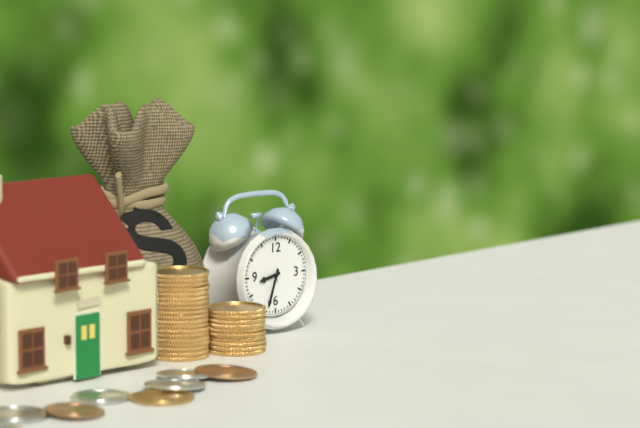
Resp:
8h33
